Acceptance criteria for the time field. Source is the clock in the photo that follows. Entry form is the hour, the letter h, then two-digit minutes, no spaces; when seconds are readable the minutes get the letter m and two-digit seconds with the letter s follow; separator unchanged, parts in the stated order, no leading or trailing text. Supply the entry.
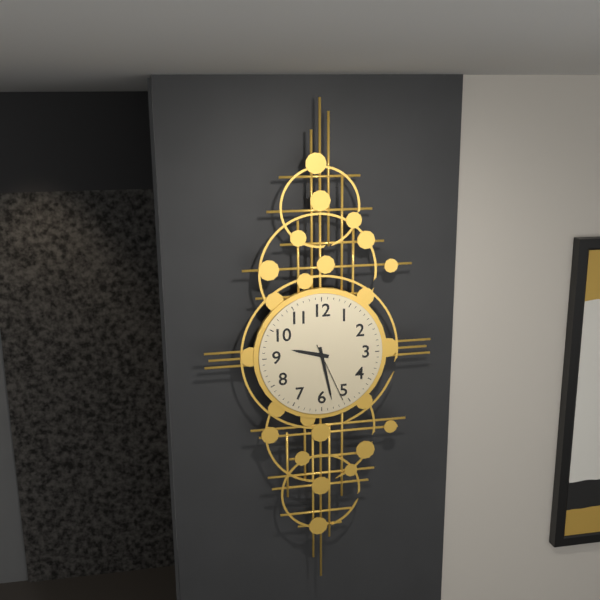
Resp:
9h28m26s
